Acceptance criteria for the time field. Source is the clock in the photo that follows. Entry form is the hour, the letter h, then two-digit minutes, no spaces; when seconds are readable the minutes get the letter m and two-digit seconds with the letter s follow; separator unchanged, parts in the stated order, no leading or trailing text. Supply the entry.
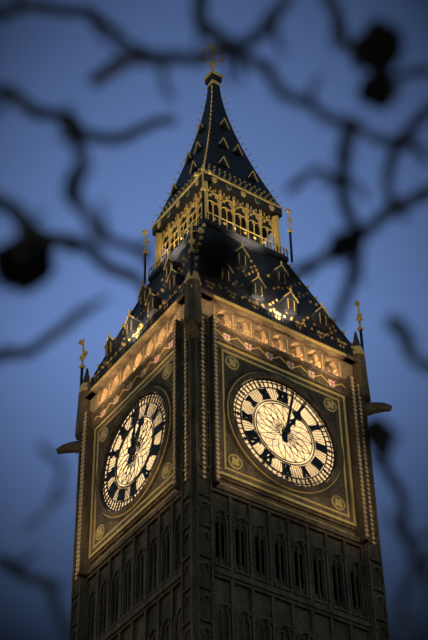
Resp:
1h02
